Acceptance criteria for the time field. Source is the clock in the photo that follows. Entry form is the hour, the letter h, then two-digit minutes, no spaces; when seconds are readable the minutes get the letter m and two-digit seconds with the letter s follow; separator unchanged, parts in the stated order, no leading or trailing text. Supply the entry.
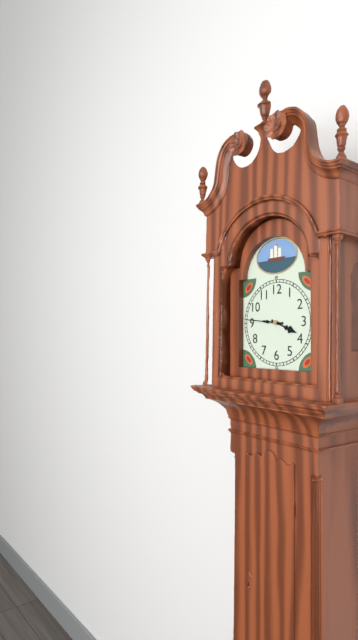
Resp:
3h46
